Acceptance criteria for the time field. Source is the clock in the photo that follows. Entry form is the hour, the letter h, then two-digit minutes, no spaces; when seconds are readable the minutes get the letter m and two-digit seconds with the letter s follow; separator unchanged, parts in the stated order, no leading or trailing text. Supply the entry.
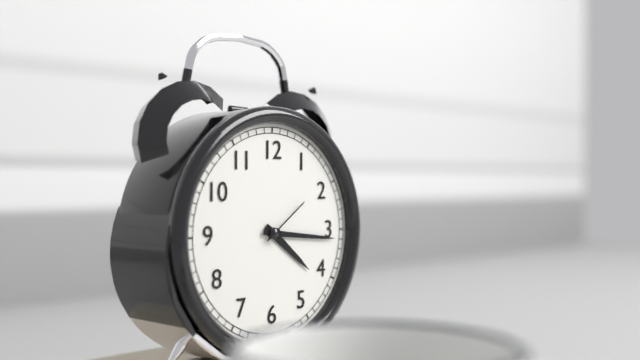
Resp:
4h16m09s
